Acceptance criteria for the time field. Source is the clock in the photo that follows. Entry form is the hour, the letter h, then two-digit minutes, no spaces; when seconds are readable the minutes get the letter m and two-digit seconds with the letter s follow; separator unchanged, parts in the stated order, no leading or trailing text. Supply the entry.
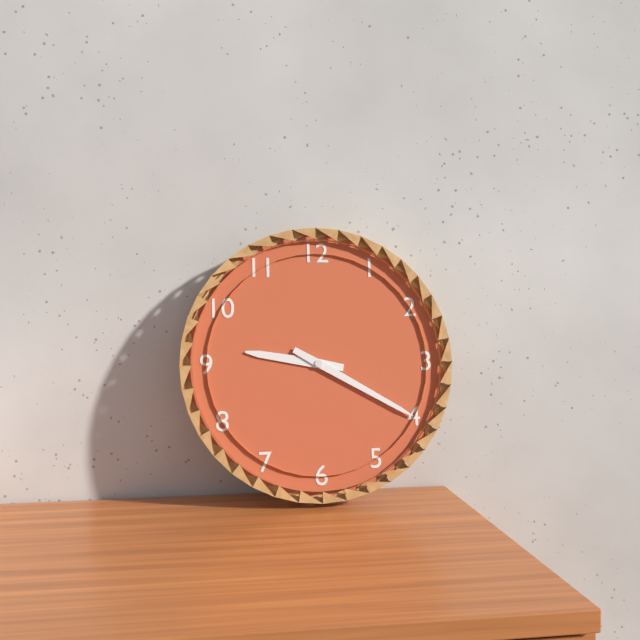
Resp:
9h20
